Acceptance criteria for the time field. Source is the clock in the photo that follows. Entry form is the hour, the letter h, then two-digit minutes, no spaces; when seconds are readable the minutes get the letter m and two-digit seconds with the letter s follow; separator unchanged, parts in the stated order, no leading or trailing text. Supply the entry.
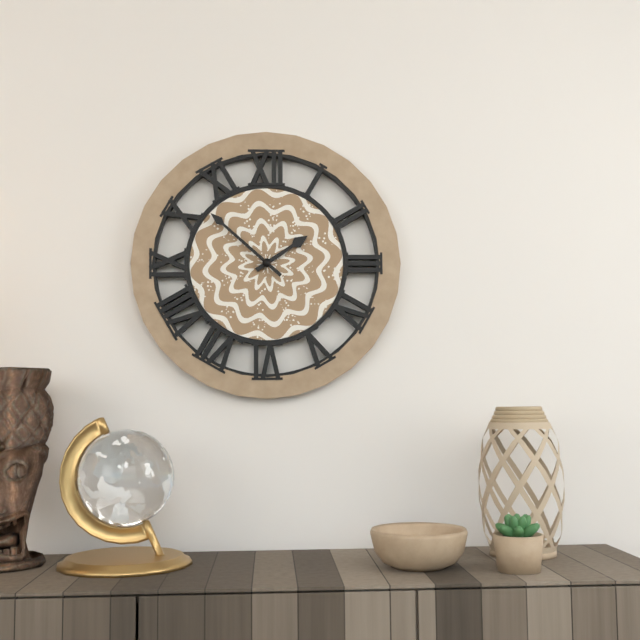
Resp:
1h52
